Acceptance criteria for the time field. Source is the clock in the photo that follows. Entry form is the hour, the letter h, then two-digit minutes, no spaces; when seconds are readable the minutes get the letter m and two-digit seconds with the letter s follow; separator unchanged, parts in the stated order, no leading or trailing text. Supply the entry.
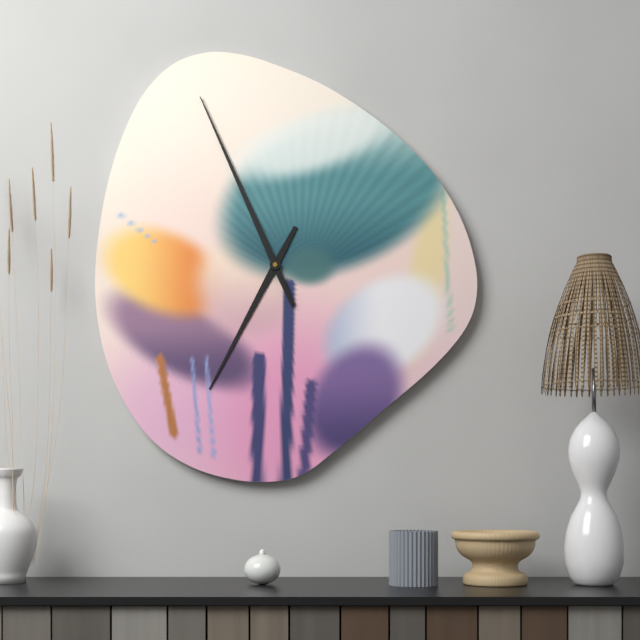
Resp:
6h56
